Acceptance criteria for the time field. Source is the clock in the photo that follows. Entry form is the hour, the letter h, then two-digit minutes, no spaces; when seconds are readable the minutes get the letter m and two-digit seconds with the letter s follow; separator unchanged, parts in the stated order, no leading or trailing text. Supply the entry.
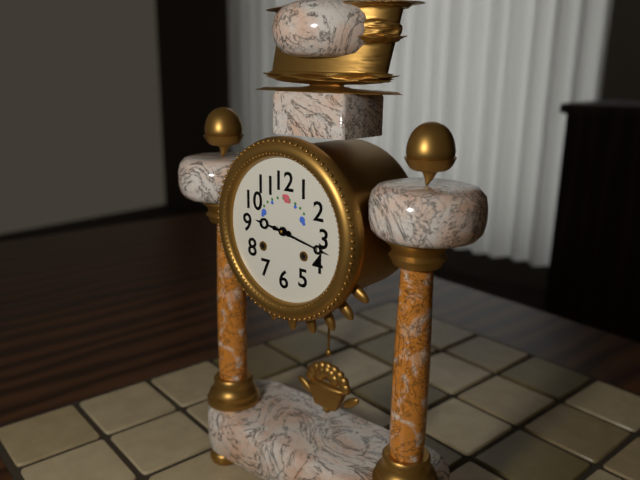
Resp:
9h17
